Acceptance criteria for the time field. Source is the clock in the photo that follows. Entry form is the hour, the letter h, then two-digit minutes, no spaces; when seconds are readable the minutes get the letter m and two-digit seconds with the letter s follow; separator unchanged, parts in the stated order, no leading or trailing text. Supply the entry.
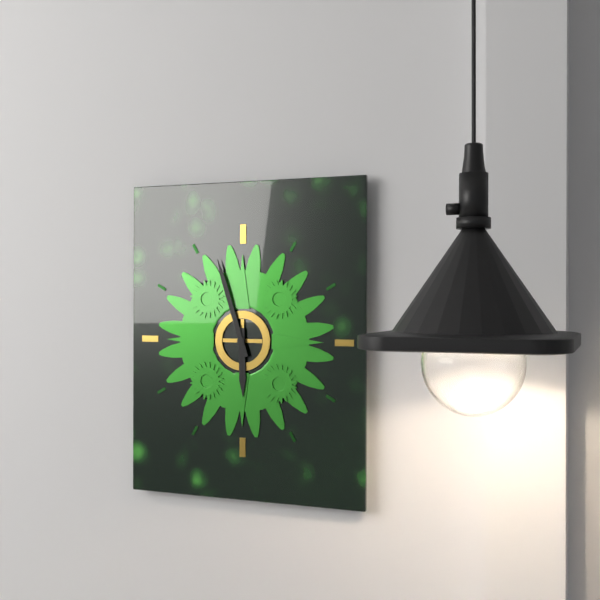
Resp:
5h57
